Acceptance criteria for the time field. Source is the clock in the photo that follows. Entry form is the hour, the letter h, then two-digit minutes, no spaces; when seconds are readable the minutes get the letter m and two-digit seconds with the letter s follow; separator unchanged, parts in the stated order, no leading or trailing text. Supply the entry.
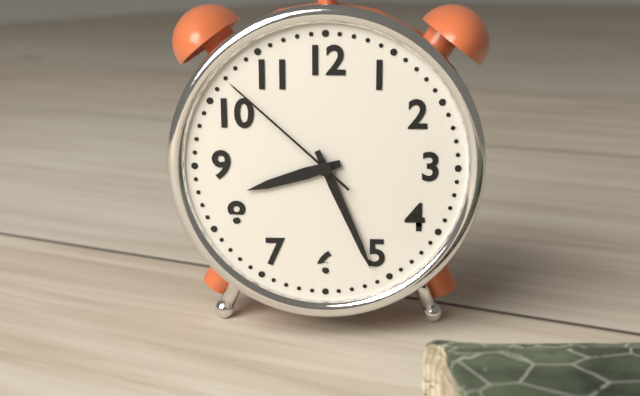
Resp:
8h26m52s
